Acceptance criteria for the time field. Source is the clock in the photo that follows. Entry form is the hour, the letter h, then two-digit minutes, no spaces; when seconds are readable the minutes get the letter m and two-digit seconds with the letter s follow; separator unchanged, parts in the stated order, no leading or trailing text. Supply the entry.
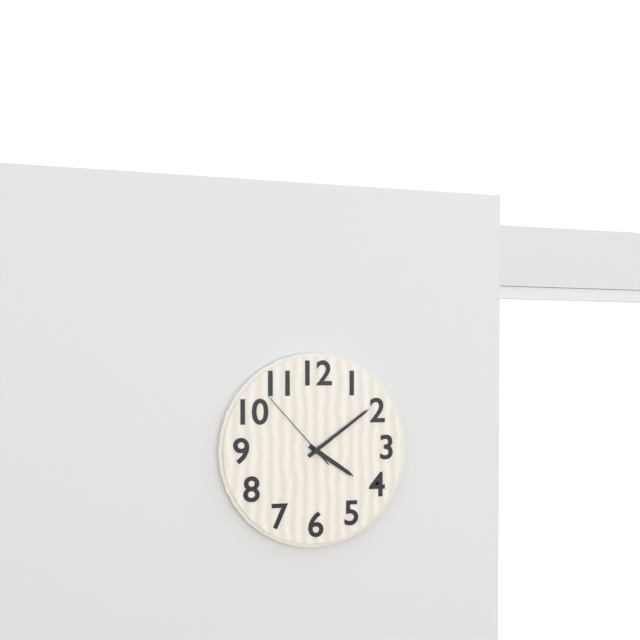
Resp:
4h09m53s
